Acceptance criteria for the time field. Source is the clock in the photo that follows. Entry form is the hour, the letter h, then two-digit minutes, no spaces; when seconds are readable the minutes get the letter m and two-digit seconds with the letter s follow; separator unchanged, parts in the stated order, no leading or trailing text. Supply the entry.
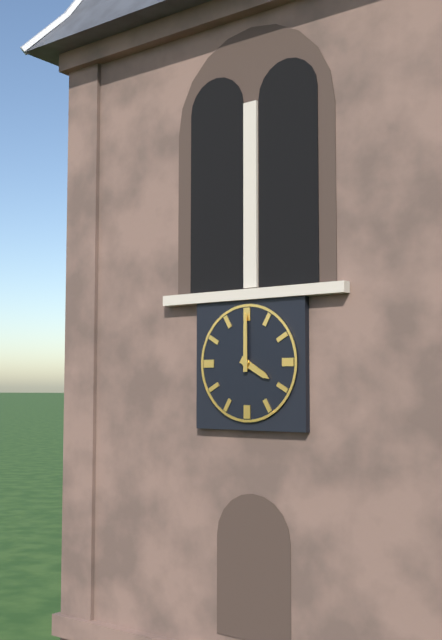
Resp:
4h00
